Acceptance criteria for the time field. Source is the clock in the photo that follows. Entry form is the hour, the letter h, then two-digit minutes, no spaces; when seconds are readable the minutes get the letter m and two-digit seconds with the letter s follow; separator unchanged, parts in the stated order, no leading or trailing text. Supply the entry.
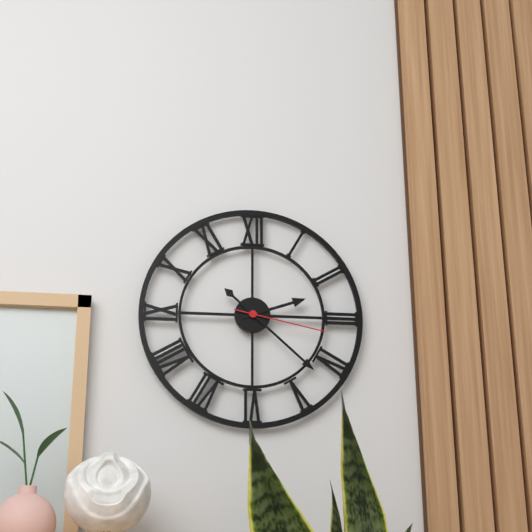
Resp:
2h22m17s
